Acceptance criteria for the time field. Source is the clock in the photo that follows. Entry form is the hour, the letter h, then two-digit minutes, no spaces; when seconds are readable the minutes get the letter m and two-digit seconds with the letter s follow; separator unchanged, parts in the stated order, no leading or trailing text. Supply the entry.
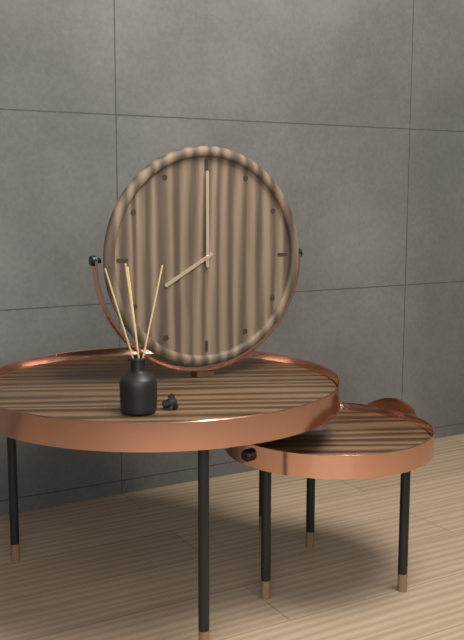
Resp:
8h00
